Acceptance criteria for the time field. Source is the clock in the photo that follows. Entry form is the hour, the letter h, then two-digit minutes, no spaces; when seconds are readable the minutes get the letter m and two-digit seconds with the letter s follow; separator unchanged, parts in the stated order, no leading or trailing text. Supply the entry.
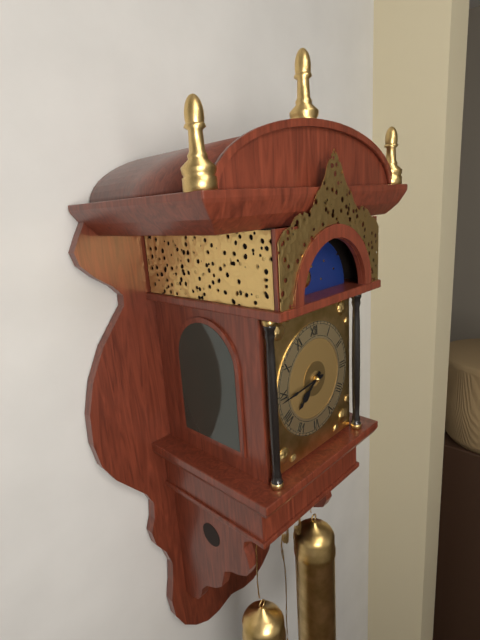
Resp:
7h44
